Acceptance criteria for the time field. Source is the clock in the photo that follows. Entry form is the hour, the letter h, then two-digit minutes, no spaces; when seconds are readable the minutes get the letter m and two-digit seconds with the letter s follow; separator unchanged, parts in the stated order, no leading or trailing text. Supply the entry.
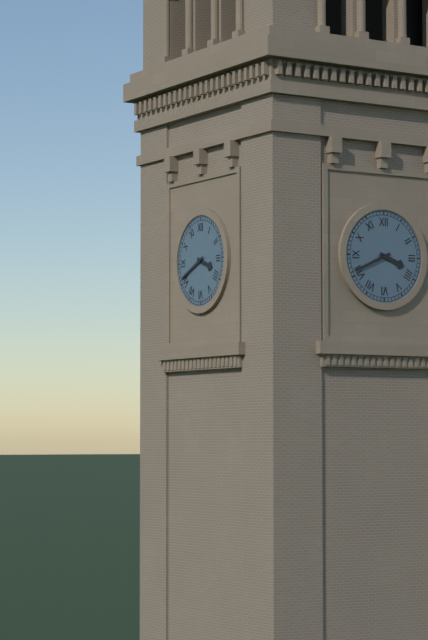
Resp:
3h41
